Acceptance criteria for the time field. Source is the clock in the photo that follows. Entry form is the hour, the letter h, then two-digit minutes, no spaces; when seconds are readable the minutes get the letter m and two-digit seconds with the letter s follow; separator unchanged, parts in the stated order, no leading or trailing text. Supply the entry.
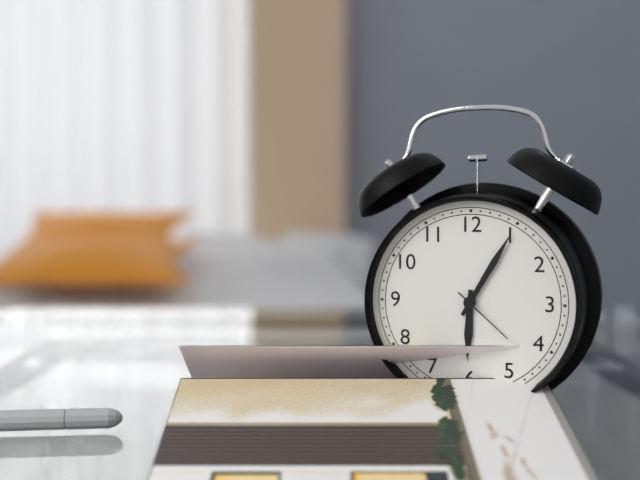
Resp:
6h05m22s
